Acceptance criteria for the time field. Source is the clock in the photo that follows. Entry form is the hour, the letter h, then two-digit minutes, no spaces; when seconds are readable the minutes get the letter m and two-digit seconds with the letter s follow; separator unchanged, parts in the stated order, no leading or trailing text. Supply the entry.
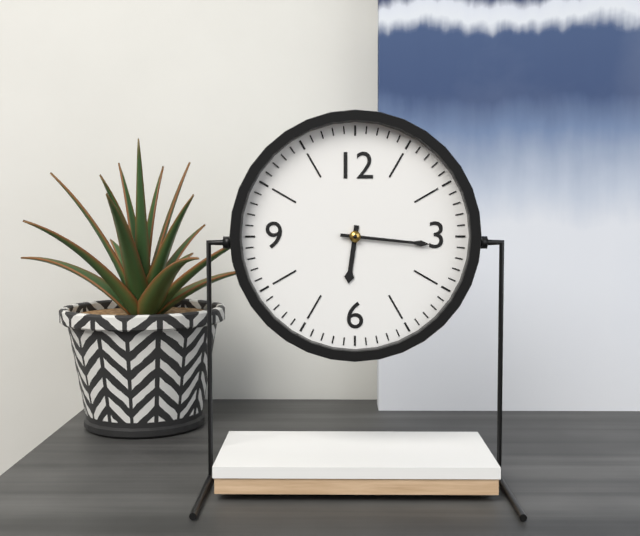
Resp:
6h16
